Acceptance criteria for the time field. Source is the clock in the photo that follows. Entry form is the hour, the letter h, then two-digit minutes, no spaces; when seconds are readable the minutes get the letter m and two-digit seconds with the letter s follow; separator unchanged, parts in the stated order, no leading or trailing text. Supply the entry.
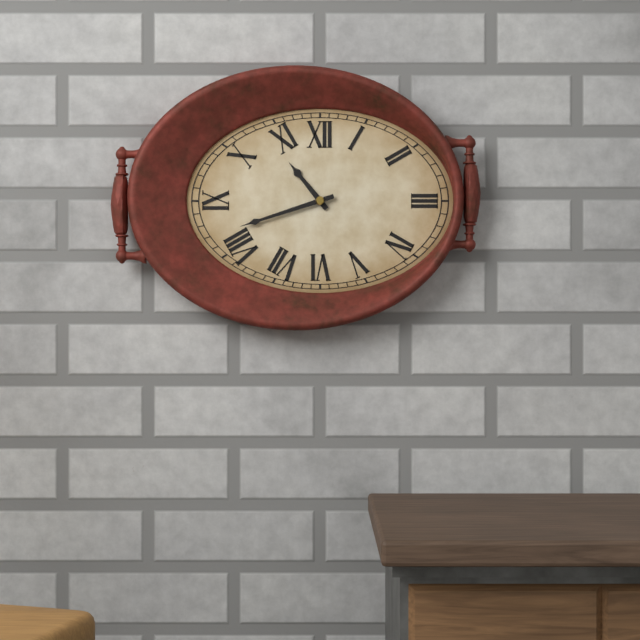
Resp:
10h42
